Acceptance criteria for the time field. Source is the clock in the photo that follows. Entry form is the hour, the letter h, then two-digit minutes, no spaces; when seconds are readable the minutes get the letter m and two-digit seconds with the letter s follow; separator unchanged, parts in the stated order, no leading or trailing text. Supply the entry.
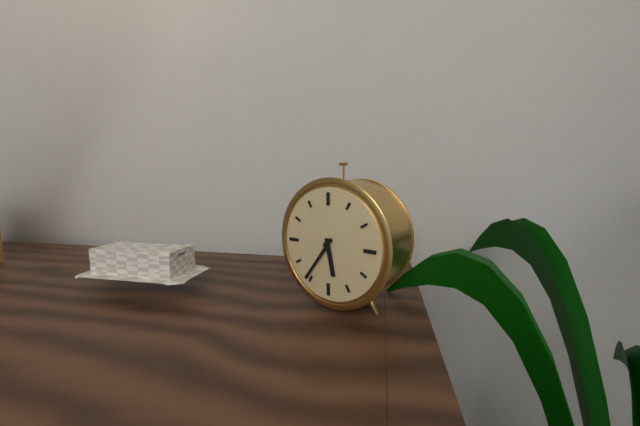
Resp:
5h36
